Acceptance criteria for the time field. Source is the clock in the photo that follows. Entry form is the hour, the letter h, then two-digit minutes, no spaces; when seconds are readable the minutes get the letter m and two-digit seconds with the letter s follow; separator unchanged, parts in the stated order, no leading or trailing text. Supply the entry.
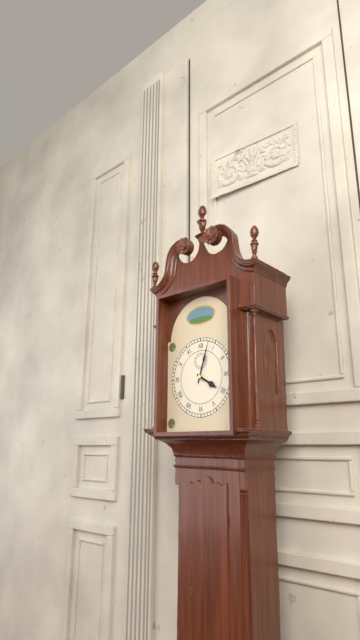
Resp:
4h03
